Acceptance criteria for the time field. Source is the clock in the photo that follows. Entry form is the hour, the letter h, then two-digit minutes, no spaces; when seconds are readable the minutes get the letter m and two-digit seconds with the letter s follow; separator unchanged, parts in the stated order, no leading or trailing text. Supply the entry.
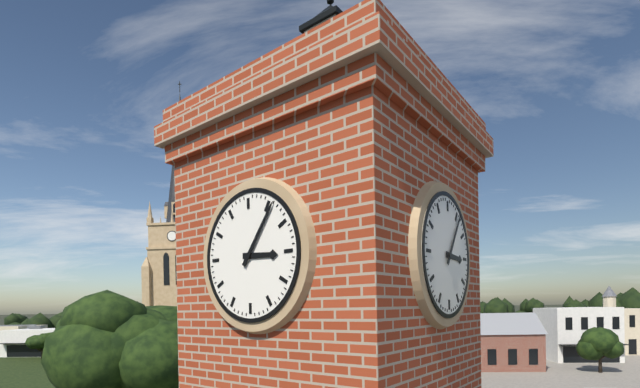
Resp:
3h06
